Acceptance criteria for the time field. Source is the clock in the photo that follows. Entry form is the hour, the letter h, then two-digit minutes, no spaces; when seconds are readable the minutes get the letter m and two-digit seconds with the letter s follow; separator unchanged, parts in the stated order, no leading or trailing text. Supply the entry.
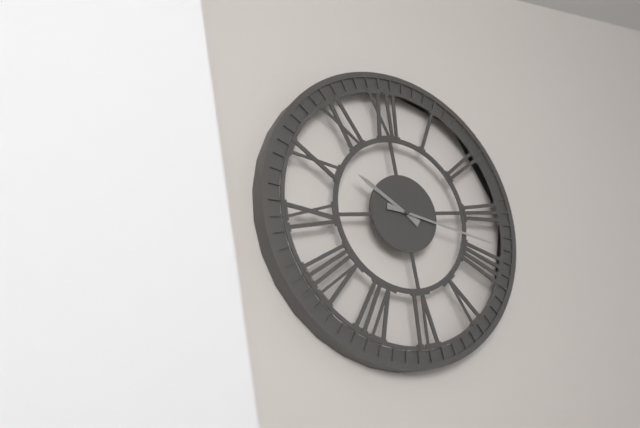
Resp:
10h18
